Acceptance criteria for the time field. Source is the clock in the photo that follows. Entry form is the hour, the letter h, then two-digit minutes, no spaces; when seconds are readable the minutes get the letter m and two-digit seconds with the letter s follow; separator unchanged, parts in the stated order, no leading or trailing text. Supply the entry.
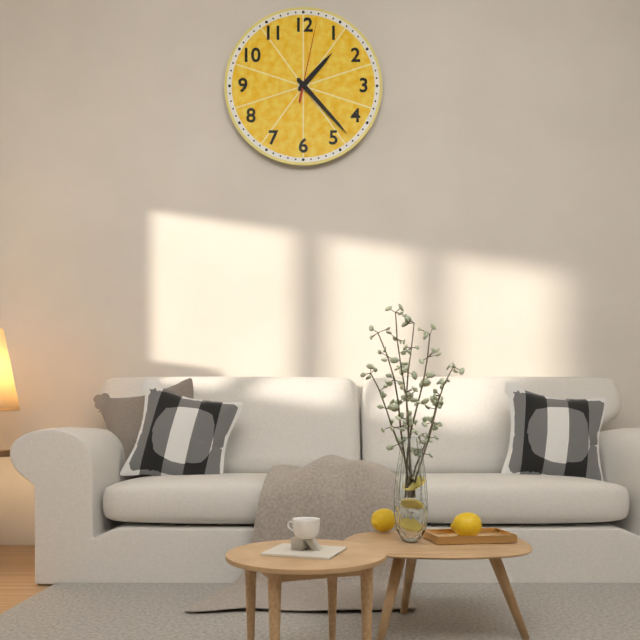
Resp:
1h23m02s
